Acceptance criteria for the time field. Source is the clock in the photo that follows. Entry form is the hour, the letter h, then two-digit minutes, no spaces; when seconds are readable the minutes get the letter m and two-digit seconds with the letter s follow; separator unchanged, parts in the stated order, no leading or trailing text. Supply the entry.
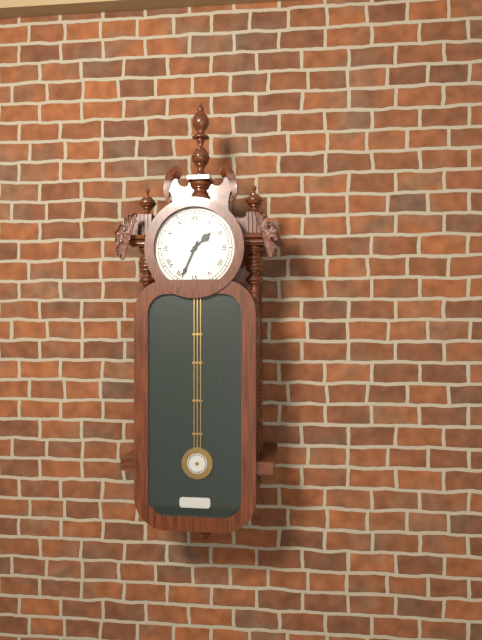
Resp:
1h34
